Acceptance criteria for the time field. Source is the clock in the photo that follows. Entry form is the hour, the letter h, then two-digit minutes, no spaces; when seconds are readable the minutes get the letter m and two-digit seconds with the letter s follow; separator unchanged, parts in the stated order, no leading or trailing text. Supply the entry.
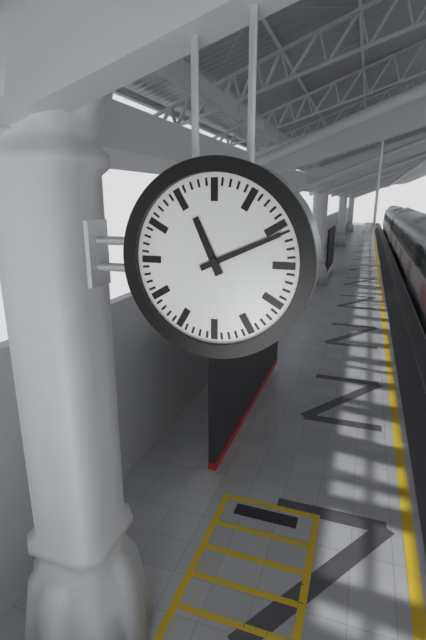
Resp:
11h11
